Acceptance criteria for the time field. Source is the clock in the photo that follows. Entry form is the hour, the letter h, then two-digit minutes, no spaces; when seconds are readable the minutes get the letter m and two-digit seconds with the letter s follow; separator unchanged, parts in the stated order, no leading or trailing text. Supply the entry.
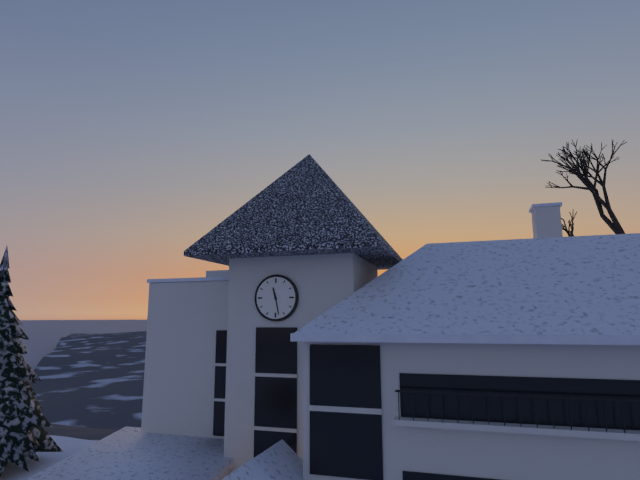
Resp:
11h28
